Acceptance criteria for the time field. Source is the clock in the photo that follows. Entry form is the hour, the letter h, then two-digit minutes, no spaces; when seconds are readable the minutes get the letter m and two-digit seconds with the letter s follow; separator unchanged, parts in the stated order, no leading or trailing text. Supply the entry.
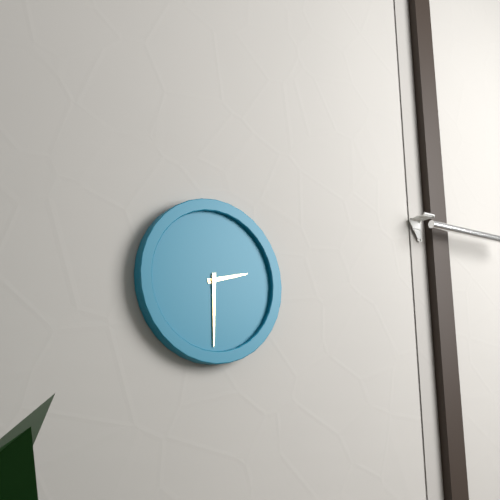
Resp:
2h30
